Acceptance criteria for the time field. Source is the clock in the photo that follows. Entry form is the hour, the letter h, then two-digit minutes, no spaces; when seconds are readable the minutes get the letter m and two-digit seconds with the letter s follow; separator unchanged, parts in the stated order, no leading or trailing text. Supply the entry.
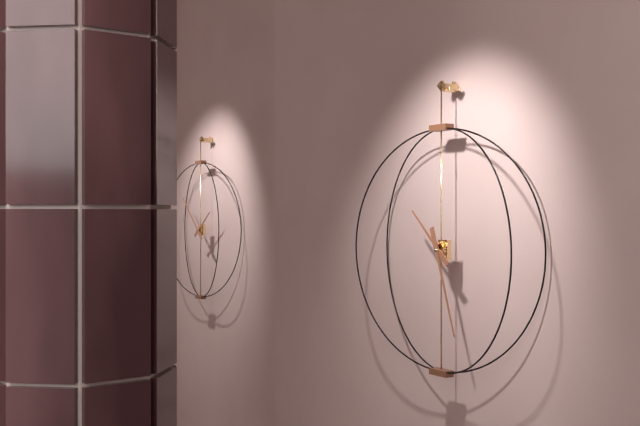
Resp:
10h27
